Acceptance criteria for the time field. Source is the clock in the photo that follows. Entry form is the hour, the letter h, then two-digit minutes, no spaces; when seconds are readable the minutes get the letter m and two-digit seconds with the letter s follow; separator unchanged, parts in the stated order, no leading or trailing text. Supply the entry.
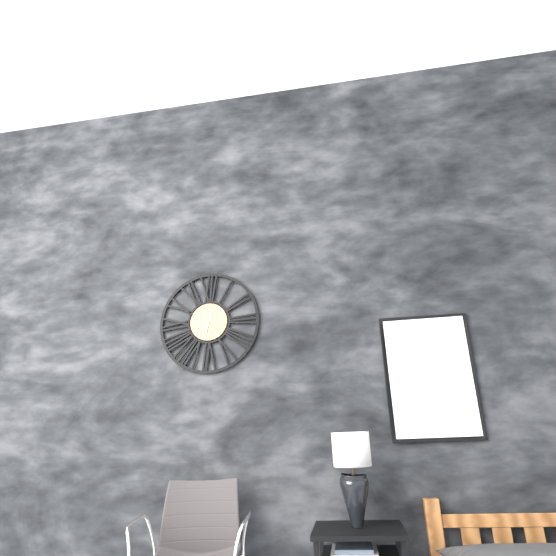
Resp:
12h32
